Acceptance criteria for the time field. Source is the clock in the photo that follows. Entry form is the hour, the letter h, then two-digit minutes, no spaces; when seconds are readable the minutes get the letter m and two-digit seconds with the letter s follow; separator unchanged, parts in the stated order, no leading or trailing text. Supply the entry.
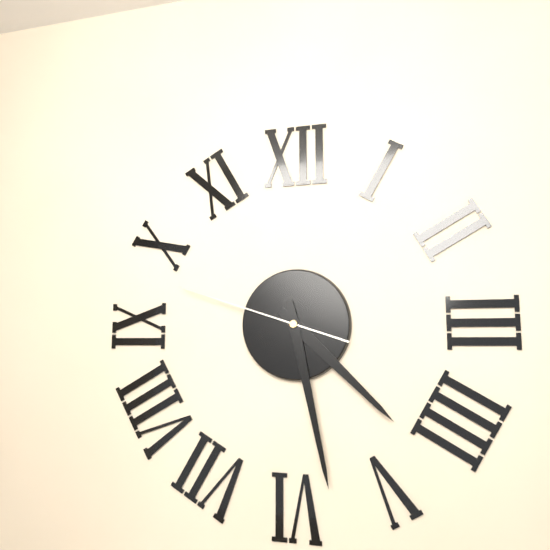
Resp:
4h28m48s
